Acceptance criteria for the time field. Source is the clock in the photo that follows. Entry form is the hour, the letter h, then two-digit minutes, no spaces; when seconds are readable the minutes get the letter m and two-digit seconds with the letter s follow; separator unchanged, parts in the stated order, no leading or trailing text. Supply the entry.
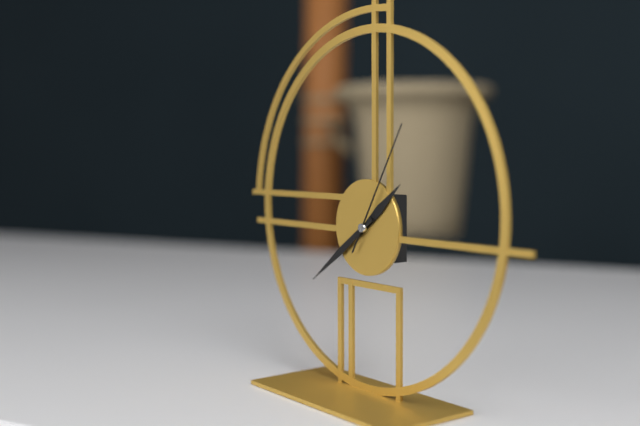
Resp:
1h39m05s
